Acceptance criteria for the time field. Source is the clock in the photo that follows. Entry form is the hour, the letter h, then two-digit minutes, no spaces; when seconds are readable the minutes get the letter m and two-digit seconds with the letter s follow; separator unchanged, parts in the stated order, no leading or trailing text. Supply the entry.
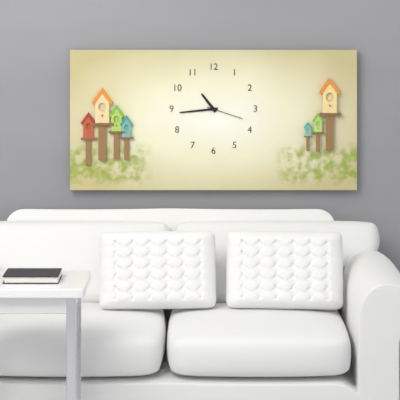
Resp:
10h44
